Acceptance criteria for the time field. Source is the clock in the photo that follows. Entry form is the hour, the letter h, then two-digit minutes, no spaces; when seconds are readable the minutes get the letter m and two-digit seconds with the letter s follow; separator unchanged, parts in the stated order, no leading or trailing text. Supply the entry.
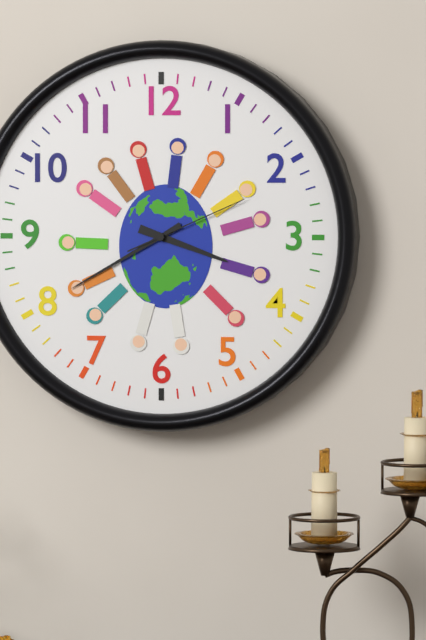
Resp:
3h40m11s
